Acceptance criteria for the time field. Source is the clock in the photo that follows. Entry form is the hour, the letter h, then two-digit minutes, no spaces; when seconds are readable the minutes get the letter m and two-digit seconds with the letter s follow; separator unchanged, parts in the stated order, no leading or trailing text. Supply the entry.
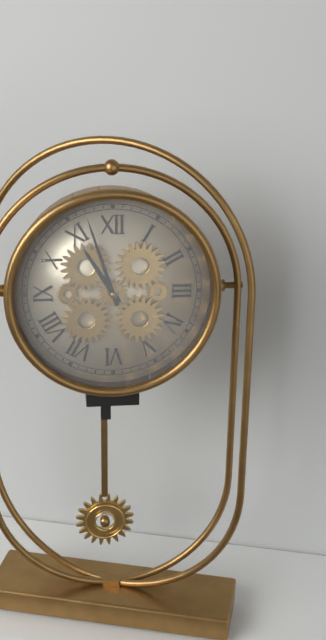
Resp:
10h57
